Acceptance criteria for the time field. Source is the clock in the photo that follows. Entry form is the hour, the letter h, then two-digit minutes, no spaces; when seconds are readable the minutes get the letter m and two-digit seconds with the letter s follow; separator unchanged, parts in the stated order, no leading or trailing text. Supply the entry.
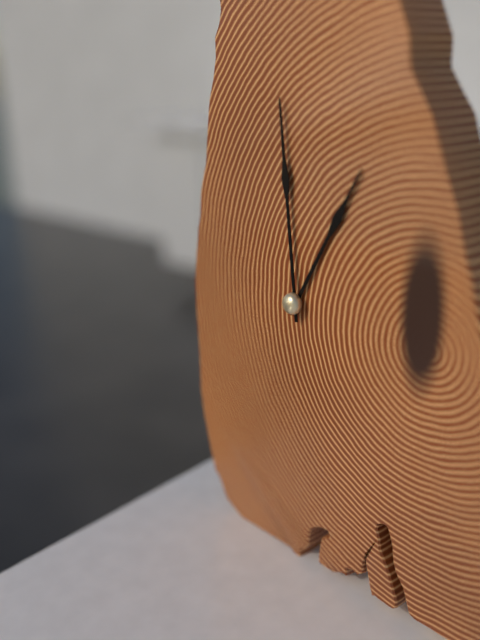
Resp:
12h59
